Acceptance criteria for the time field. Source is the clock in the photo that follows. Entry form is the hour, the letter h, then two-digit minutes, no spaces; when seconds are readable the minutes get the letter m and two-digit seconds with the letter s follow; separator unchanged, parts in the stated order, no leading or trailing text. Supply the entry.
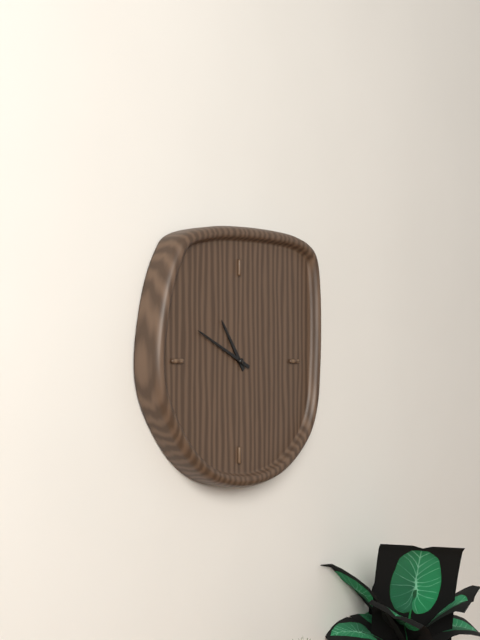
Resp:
10h49
